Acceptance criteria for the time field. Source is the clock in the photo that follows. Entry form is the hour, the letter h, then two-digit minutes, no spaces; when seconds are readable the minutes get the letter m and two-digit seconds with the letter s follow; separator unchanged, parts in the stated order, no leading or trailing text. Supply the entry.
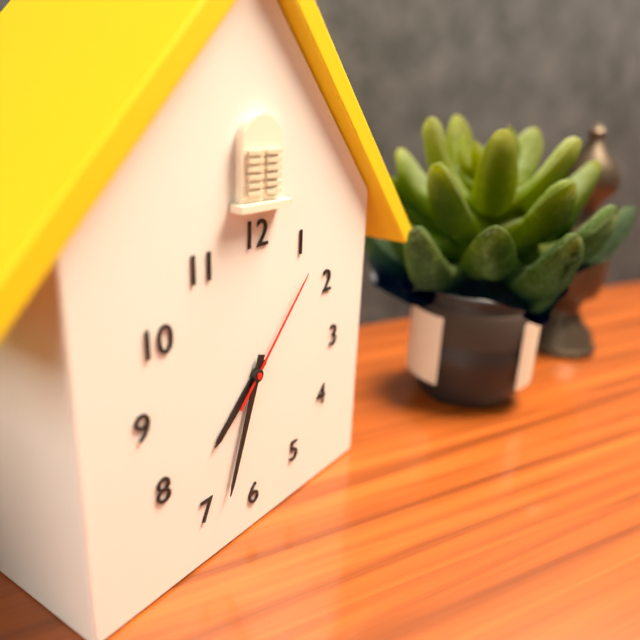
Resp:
7h33m07s
